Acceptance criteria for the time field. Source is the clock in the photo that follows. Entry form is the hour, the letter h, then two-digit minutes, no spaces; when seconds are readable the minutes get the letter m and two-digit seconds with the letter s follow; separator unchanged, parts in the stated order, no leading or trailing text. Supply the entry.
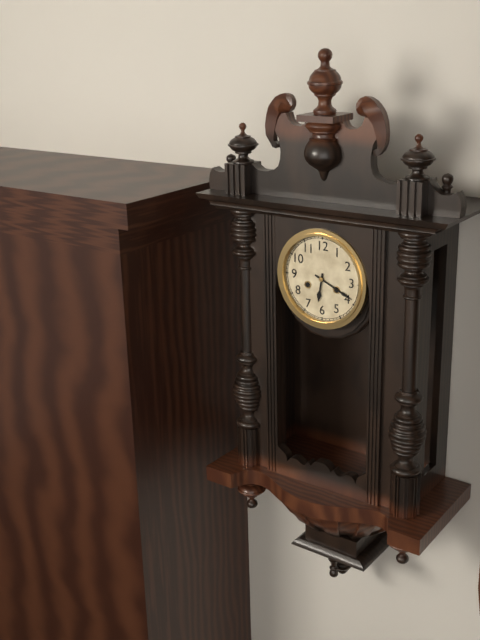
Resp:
6h19
